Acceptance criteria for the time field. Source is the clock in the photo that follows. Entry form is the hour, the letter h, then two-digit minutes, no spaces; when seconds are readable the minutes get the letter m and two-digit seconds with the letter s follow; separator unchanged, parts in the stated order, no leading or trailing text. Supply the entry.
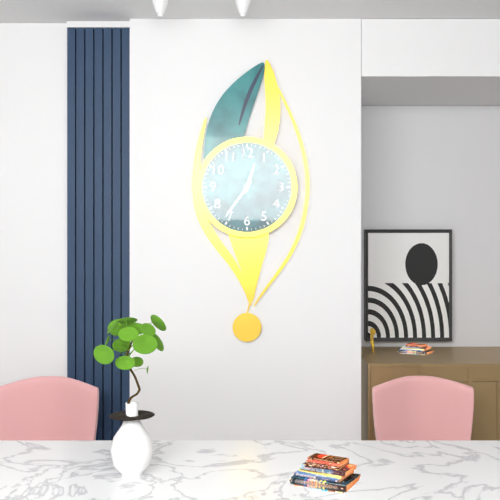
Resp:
12h36
